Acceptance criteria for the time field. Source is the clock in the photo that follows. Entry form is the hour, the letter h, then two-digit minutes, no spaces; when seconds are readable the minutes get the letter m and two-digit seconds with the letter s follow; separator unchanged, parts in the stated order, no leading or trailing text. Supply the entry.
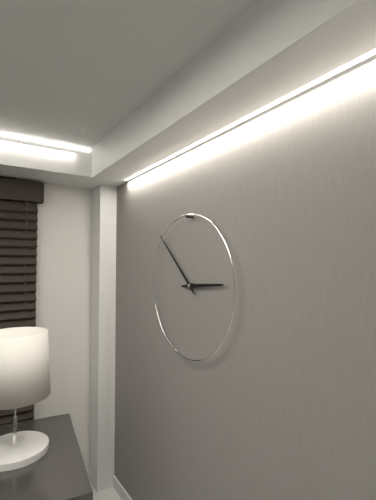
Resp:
2h52
